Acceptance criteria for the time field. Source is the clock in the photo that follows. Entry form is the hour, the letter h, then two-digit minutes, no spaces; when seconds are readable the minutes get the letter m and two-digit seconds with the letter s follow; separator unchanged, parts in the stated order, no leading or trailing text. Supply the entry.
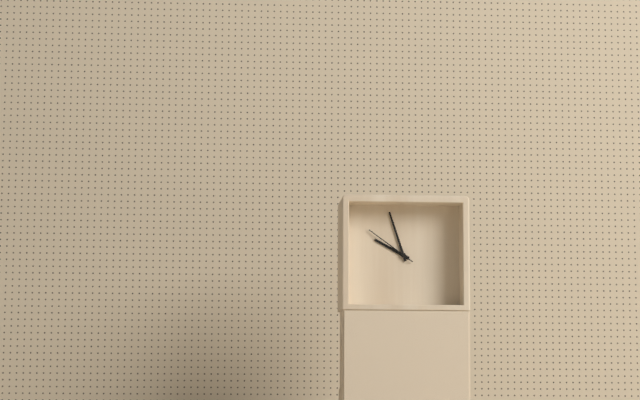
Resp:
9h57m51s
